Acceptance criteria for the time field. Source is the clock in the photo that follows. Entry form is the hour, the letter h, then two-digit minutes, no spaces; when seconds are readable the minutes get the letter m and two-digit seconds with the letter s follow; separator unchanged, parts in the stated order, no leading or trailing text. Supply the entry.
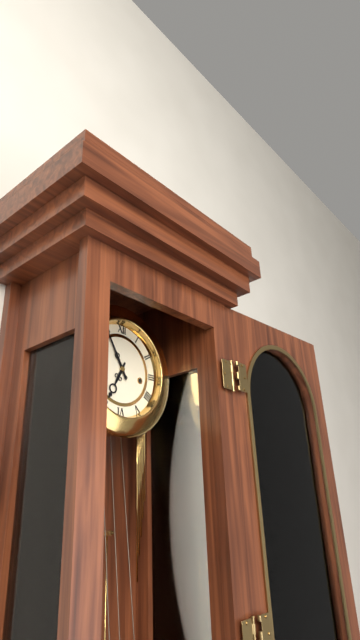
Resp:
6h55
